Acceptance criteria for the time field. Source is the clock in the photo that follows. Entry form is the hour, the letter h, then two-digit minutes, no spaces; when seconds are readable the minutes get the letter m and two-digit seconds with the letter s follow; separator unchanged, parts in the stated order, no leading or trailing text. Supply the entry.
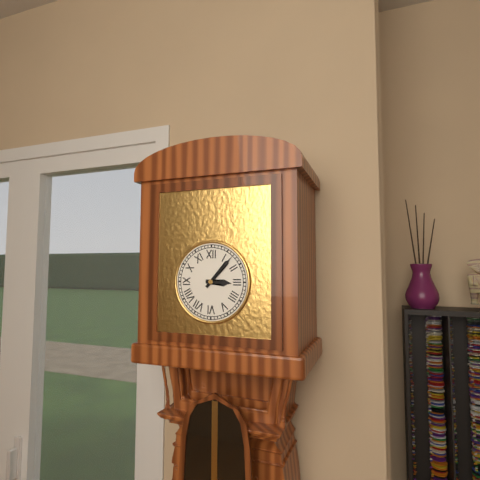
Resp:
3h07
